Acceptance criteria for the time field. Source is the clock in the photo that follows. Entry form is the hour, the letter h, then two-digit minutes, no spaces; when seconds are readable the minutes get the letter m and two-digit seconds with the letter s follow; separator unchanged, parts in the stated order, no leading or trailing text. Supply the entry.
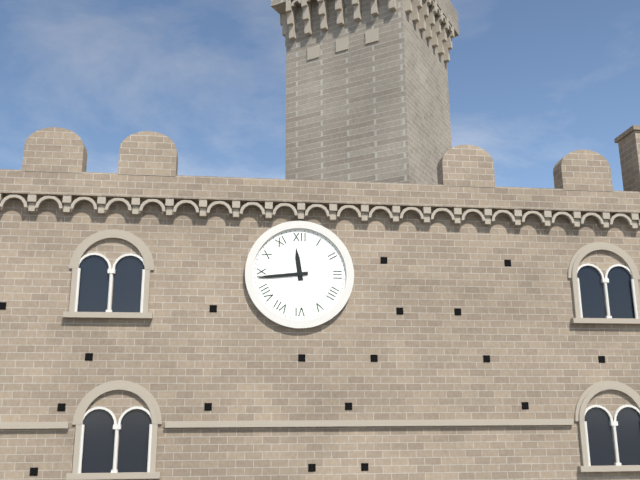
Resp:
11h44
